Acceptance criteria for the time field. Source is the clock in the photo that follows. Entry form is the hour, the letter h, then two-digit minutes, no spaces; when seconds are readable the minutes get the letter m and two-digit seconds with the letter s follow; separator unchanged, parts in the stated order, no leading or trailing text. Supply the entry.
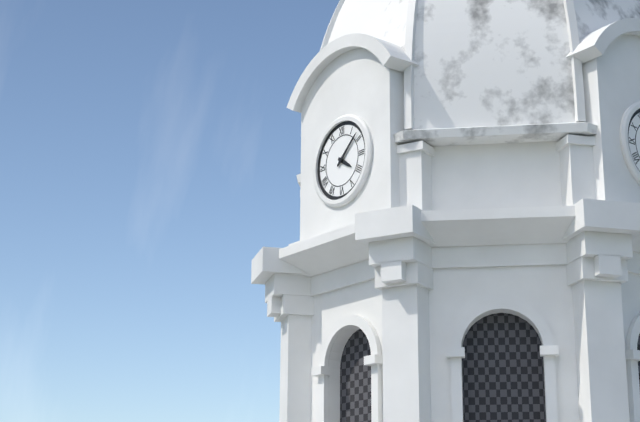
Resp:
4h08
